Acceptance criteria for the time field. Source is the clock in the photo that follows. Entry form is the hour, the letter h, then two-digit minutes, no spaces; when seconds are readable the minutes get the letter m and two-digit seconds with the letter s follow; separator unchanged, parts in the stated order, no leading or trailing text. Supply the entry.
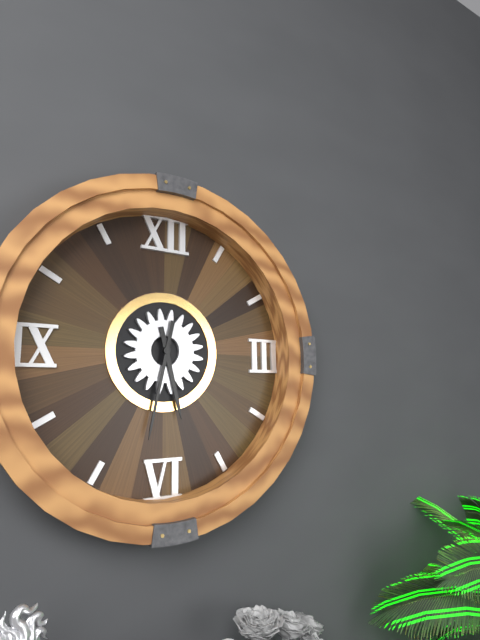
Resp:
5h32
